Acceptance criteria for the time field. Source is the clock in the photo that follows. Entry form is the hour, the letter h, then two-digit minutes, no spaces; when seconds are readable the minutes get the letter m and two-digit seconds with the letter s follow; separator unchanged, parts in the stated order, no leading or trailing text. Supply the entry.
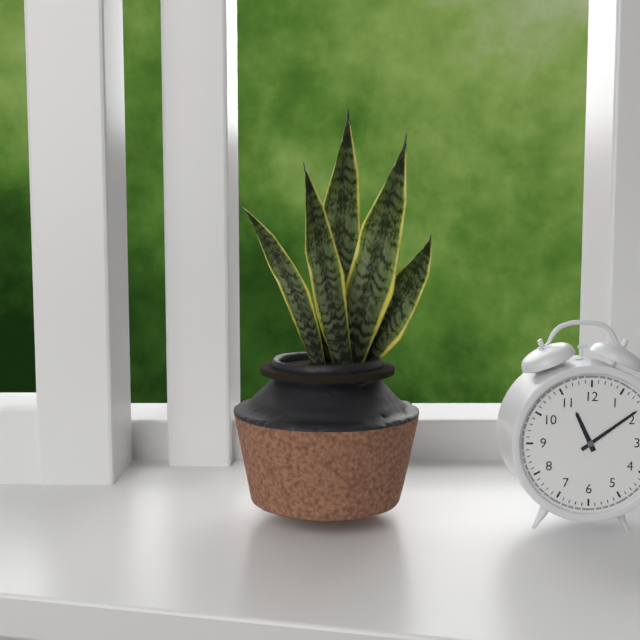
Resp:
11h09
